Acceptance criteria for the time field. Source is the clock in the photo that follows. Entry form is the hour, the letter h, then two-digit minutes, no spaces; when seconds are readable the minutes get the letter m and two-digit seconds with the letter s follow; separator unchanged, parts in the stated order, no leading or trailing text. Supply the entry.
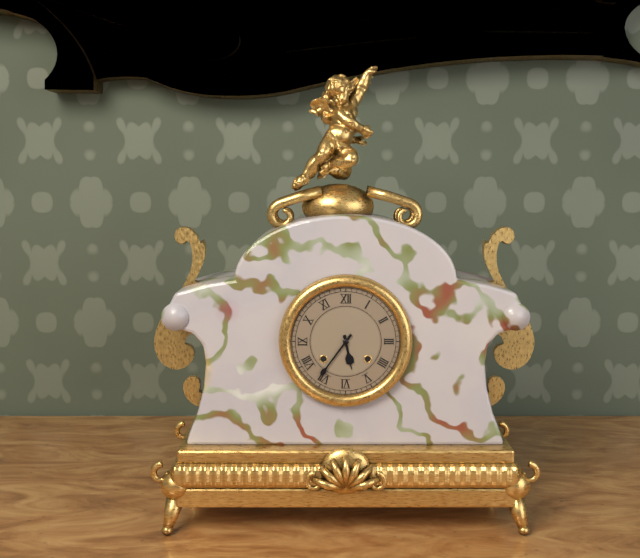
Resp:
5h36
